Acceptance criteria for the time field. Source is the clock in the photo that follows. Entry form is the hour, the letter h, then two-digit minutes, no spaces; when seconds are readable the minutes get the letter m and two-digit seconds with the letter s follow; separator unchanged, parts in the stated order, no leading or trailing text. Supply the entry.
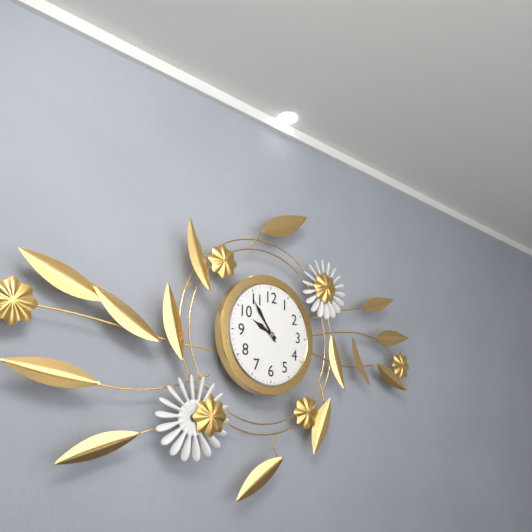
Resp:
9h54
